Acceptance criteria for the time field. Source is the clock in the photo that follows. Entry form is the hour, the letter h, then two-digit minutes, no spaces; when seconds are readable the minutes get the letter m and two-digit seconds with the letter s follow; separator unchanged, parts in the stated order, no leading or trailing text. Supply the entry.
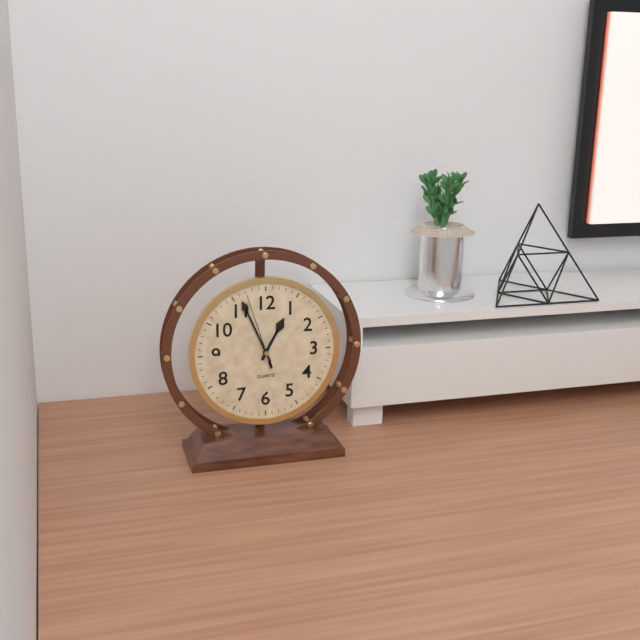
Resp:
12h56m57s
